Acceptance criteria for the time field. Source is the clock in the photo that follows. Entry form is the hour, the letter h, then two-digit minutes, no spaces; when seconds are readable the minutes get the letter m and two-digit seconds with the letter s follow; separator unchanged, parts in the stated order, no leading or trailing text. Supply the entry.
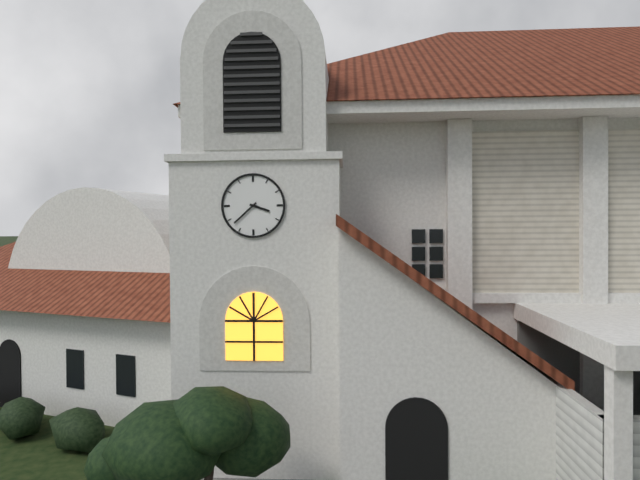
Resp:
3h38
